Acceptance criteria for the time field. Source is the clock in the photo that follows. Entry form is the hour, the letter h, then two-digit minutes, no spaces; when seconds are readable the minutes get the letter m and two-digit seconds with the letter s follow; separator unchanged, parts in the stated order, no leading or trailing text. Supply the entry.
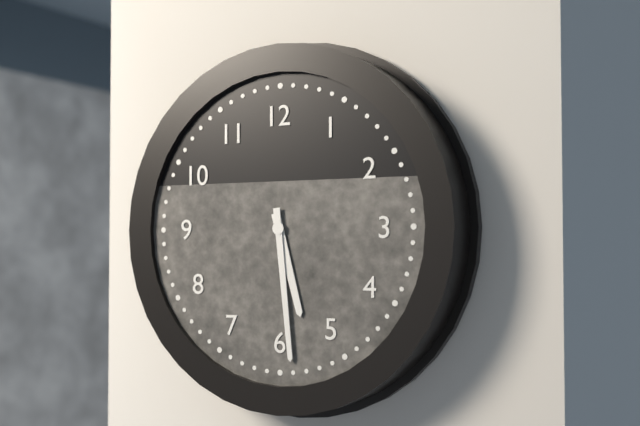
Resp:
5h29
